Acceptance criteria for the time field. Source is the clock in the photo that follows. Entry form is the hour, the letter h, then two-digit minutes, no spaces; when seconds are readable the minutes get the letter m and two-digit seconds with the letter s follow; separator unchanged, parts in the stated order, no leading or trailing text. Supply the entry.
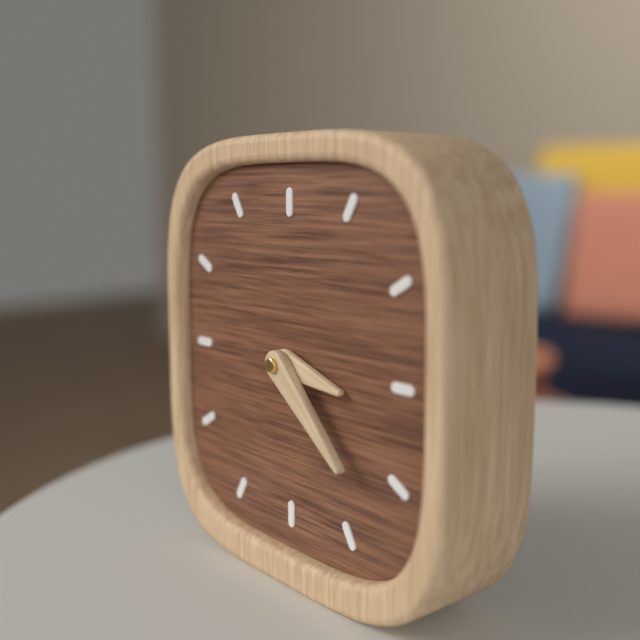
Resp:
3h22
